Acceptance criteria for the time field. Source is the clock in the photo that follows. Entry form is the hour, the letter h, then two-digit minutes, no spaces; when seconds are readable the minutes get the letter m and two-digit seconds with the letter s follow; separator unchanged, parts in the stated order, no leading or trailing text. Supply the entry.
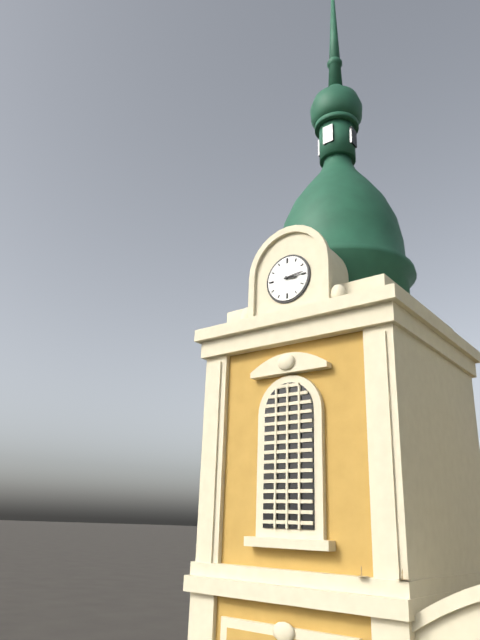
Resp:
3h14
